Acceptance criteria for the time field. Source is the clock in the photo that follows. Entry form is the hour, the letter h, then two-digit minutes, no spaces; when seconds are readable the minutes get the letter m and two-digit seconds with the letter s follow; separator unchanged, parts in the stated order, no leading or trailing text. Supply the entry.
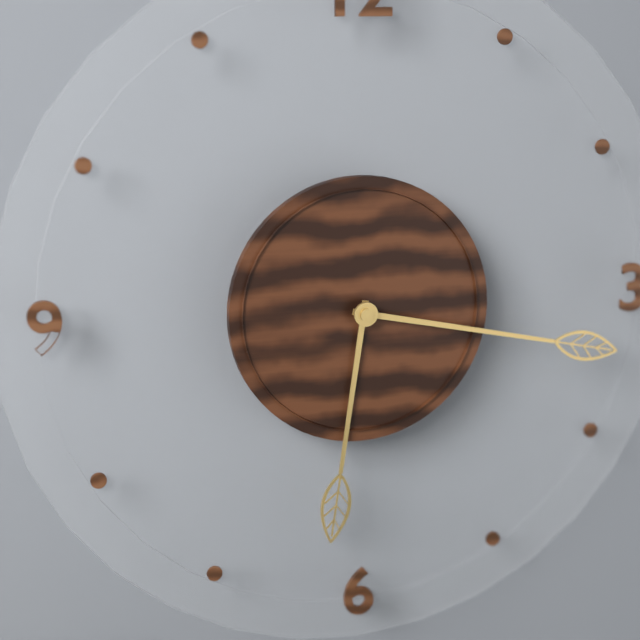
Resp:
6h17
